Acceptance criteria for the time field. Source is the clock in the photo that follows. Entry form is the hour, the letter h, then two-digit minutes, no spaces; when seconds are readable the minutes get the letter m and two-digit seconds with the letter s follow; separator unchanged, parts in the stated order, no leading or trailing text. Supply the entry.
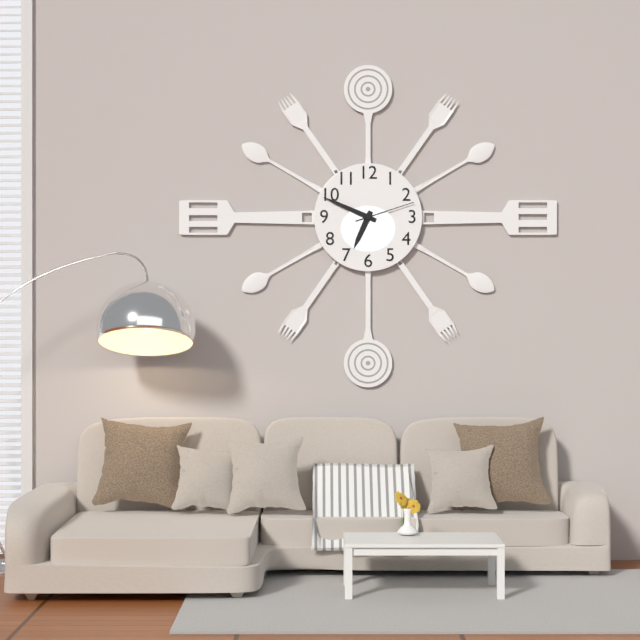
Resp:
6h49m12s
